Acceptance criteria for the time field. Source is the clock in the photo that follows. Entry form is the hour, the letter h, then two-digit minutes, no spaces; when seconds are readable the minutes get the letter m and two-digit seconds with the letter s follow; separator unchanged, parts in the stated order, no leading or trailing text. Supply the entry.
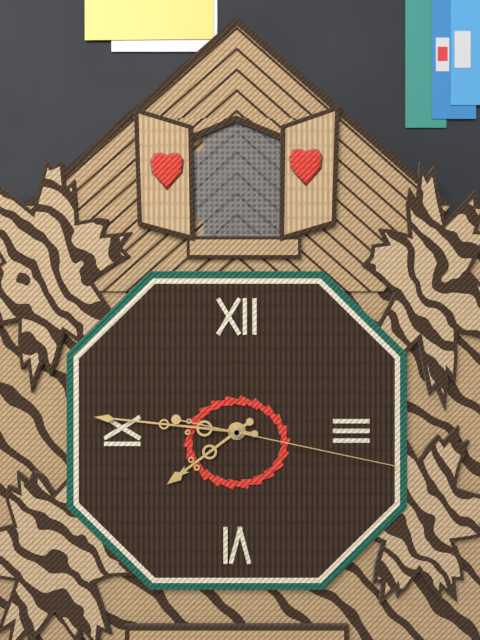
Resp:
7h46m17s
